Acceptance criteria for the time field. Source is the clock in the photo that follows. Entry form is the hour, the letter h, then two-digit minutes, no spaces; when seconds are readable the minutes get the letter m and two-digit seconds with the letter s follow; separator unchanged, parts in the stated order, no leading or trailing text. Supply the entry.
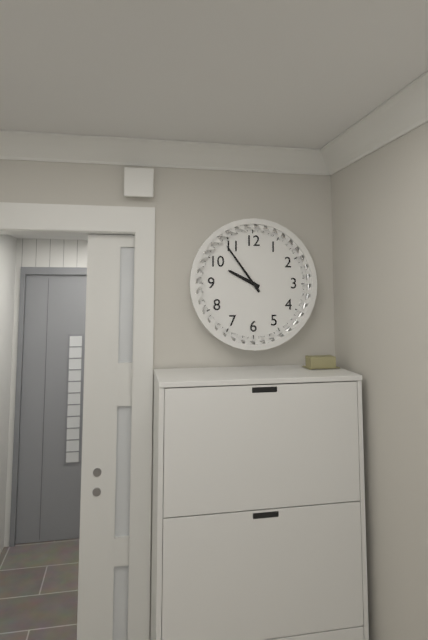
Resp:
9h54
